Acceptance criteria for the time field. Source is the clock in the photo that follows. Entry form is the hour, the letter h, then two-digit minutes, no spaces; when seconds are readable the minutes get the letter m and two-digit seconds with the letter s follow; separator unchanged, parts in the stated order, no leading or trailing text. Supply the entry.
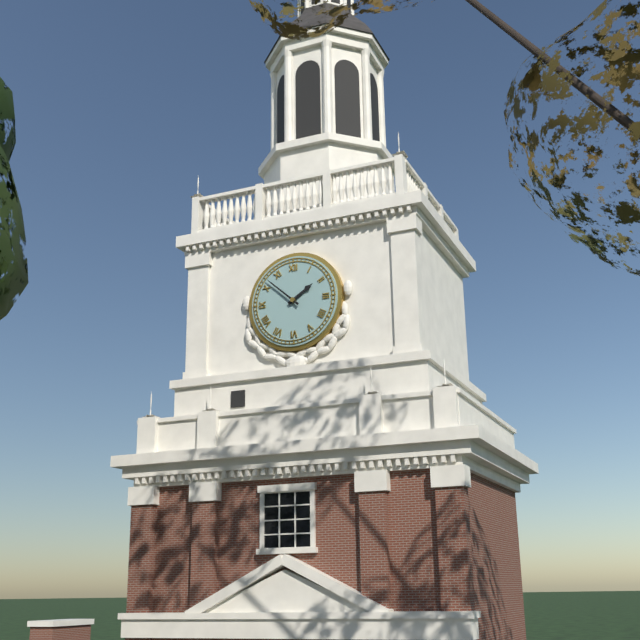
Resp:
1h52
